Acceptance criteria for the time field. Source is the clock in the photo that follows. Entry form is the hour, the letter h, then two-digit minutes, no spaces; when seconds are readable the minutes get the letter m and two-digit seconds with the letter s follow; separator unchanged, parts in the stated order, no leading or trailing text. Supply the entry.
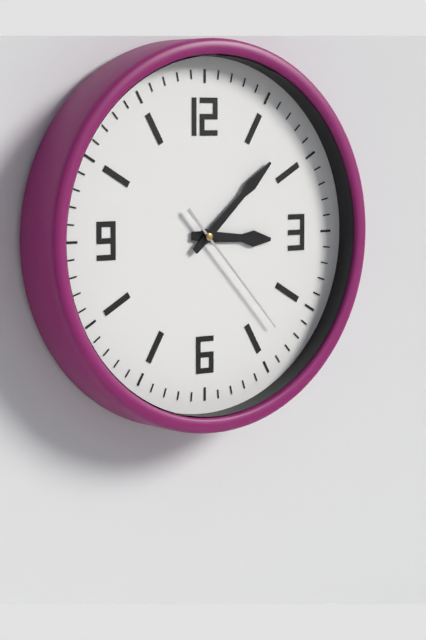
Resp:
3h08m23s
